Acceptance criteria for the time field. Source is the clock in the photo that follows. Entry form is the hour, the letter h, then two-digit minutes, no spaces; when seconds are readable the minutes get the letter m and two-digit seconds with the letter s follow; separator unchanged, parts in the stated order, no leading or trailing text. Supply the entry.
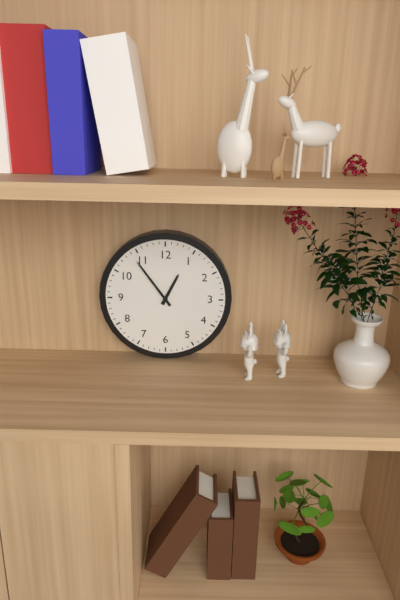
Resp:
12h54
